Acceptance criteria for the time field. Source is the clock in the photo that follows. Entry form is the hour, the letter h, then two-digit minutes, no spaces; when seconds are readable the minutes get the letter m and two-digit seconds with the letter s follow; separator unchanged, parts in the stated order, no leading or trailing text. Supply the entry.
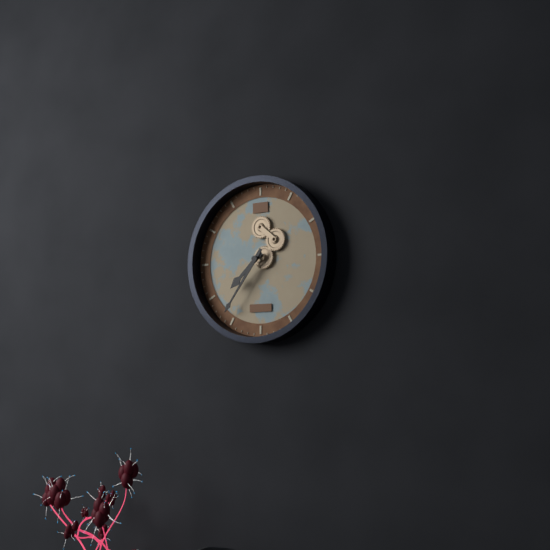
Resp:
7h36
